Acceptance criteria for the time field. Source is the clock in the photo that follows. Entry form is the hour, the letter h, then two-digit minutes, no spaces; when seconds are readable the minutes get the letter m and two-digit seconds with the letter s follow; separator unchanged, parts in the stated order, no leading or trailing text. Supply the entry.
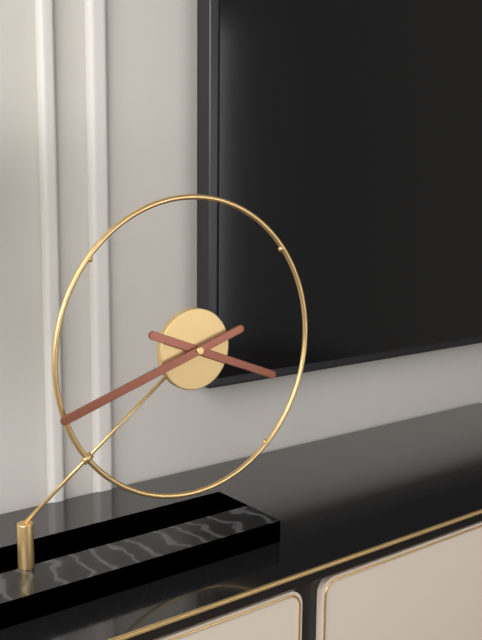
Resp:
3h42
